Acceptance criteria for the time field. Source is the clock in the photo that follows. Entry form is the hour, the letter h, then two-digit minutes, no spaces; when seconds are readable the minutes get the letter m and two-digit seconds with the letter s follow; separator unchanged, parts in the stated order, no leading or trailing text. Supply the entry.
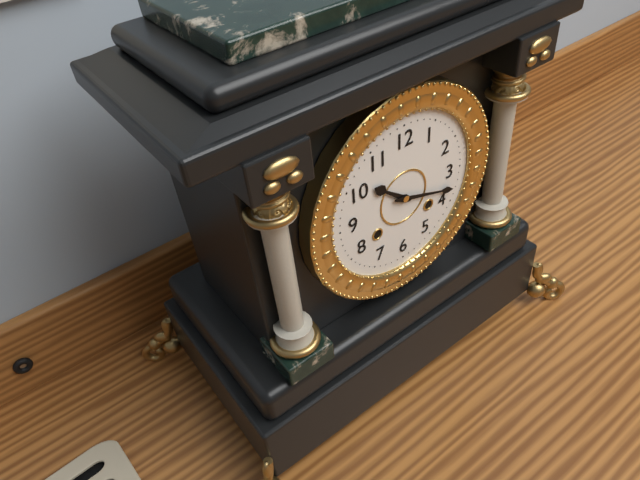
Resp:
10h18
